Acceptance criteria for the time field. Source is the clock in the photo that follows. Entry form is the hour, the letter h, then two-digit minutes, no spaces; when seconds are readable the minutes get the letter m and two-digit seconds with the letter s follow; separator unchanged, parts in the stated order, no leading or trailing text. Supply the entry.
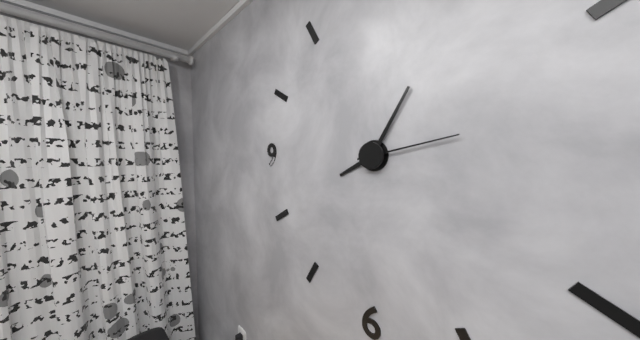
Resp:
8h05m13s
